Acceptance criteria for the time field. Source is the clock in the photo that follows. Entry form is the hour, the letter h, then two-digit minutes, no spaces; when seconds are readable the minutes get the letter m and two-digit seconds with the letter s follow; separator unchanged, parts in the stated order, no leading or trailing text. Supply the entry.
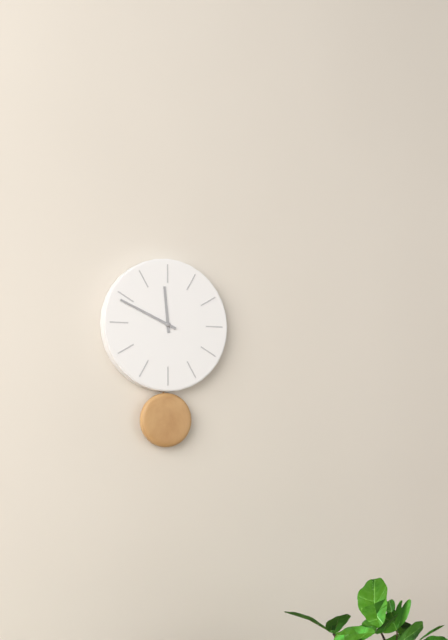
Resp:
11h49
